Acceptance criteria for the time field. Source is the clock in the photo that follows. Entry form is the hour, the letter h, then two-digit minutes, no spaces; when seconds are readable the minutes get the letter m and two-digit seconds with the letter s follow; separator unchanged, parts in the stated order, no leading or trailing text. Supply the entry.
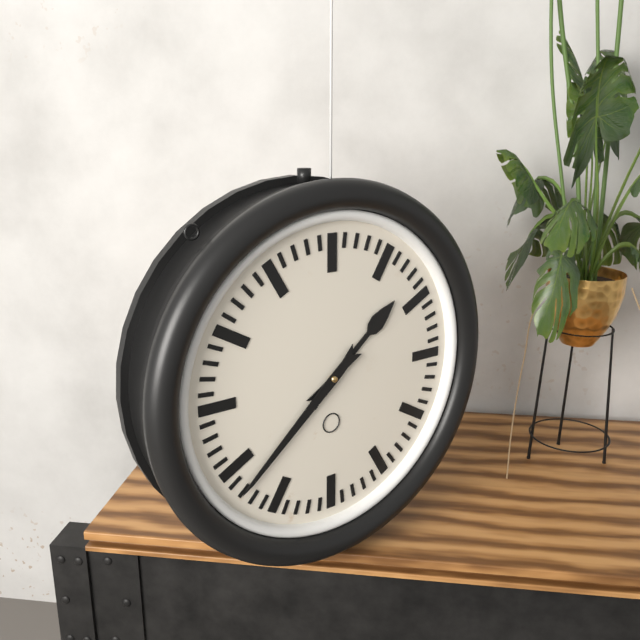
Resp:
1h38
